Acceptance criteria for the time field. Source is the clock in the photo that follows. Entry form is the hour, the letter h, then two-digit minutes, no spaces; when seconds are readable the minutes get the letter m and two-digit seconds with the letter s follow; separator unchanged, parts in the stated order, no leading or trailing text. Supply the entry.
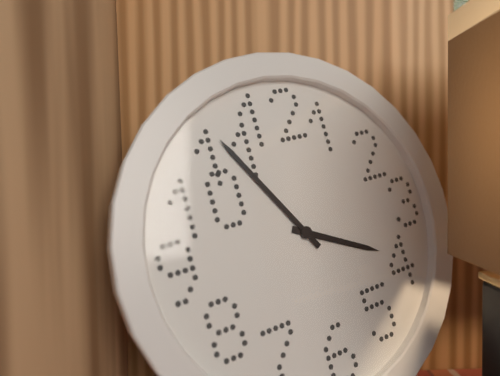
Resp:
3h55
